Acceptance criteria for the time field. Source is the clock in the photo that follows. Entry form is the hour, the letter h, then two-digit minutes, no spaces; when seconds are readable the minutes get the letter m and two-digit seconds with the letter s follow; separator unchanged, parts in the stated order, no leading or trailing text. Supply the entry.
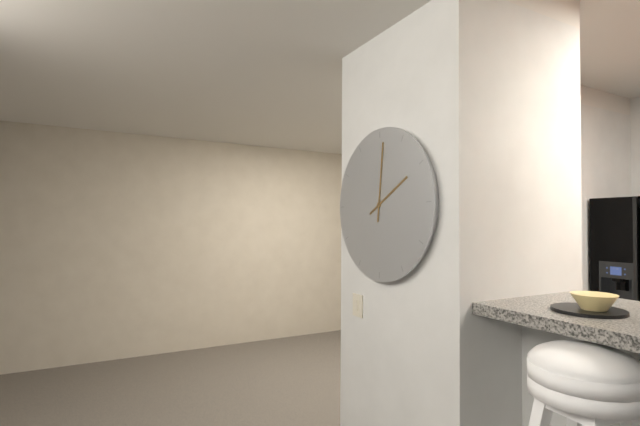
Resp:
2h01
